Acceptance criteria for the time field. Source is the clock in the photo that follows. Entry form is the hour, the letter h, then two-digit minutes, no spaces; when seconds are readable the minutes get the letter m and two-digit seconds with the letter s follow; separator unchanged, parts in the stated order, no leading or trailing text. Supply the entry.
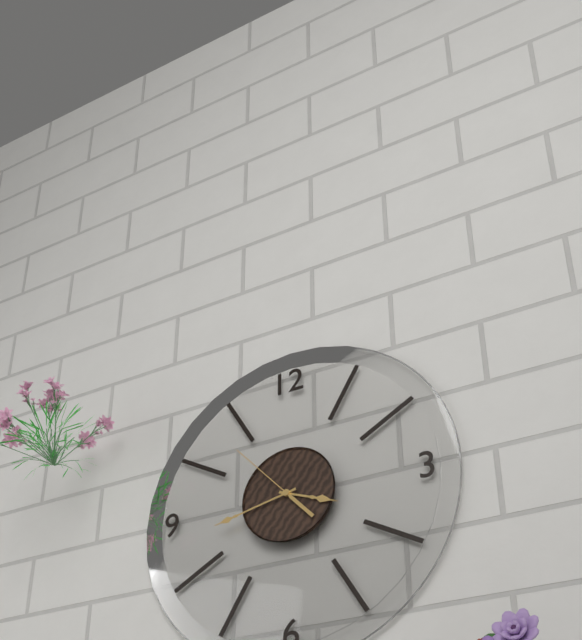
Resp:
3h43m53s
